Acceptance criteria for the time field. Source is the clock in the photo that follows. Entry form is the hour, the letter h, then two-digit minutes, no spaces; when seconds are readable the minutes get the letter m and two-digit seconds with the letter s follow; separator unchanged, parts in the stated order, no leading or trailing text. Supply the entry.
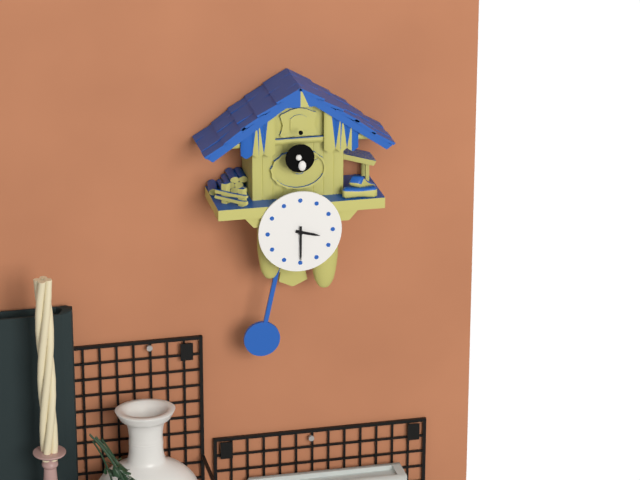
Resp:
3h30
